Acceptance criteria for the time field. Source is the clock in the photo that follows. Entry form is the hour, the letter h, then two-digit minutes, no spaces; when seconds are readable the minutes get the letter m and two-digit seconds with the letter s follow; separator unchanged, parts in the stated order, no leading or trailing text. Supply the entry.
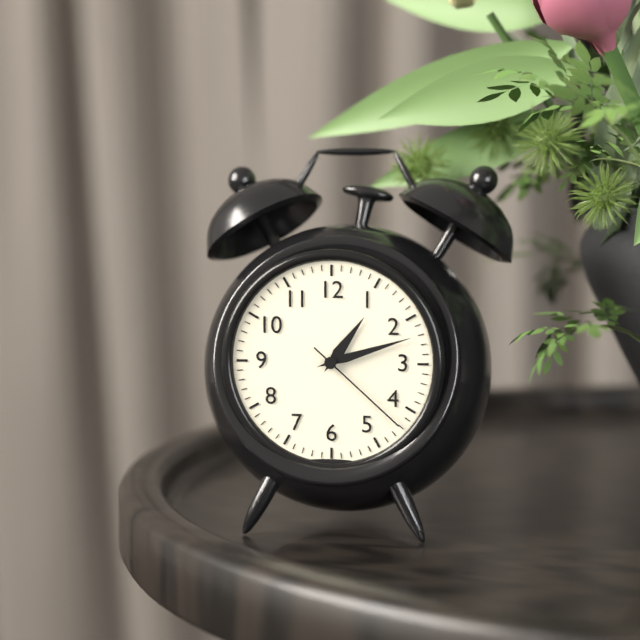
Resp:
1h12m22s
